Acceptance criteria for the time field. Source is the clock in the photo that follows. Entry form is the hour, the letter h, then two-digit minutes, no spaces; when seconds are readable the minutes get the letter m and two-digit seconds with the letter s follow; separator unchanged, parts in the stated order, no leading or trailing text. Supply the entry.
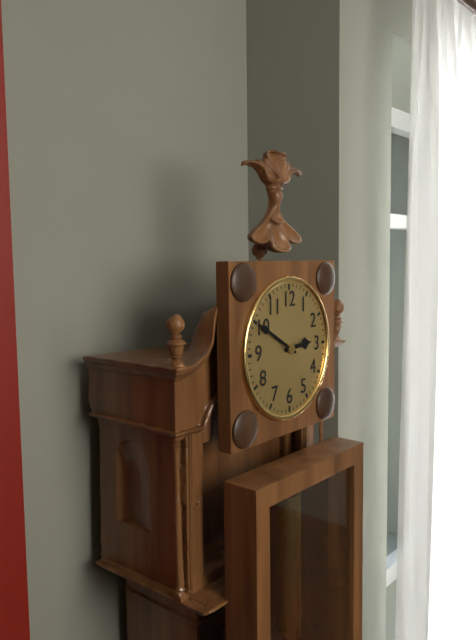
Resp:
2h50
